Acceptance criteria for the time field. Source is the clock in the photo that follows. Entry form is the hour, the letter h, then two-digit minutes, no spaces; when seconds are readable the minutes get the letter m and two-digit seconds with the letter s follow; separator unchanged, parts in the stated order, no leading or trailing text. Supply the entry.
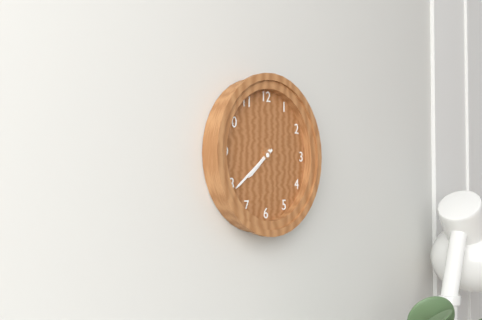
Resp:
7h39
